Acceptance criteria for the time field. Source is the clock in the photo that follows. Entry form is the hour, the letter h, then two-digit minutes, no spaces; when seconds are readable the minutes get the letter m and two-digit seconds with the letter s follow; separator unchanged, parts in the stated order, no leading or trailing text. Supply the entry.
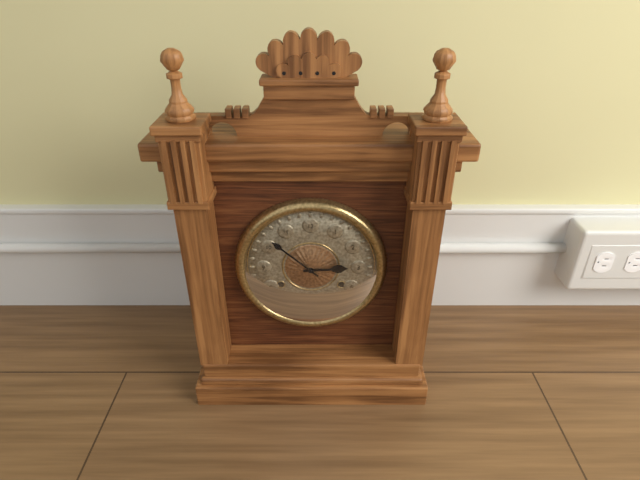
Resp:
2h52
